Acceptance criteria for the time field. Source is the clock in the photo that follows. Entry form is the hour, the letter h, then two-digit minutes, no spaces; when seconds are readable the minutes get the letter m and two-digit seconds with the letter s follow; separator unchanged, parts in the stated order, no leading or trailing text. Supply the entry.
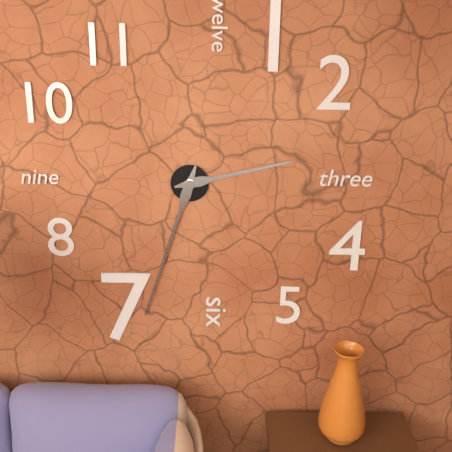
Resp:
2h33
